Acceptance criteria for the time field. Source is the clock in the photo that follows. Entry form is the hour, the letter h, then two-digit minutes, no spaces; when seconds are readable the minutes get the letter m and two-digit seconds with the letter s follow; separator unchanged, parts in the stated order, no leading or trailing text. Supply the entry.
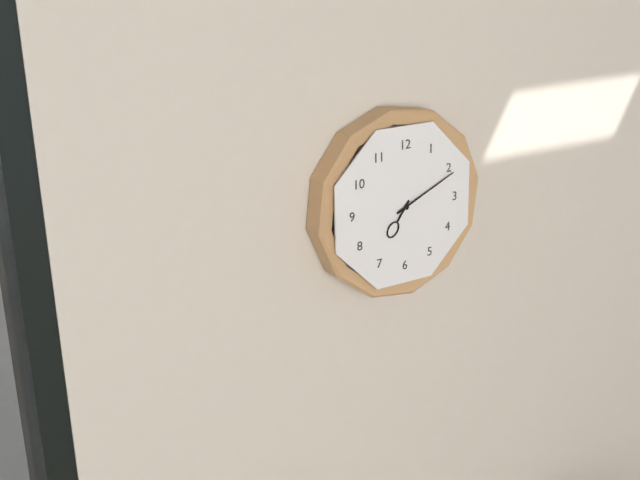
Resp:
7h11
